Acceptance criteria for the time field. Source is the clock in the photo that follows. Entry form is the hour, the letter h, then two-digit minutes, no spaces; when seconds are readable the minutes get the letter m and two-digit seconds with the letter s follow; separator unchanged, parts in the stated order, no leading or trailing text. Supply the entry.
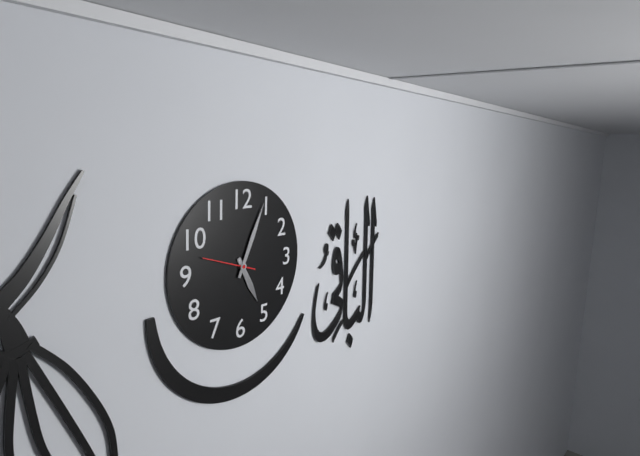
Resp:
5h04m48s
